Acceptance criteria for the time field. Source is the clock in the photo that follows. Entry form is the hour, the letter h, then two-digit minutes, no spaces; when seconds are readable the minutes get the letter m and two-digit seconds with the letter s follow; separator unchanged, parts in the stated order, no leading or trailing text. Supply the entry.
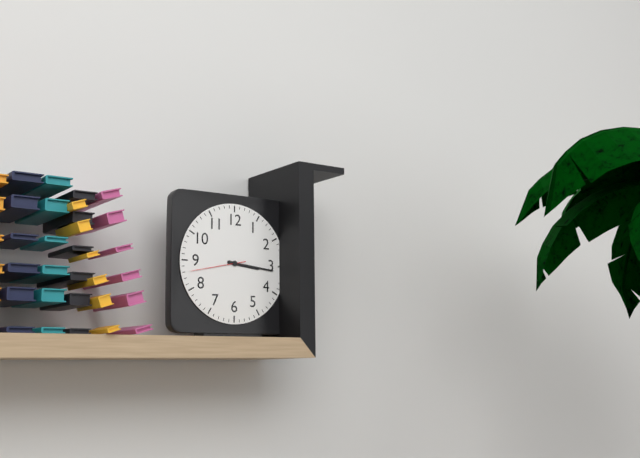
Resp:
3h16m43s
